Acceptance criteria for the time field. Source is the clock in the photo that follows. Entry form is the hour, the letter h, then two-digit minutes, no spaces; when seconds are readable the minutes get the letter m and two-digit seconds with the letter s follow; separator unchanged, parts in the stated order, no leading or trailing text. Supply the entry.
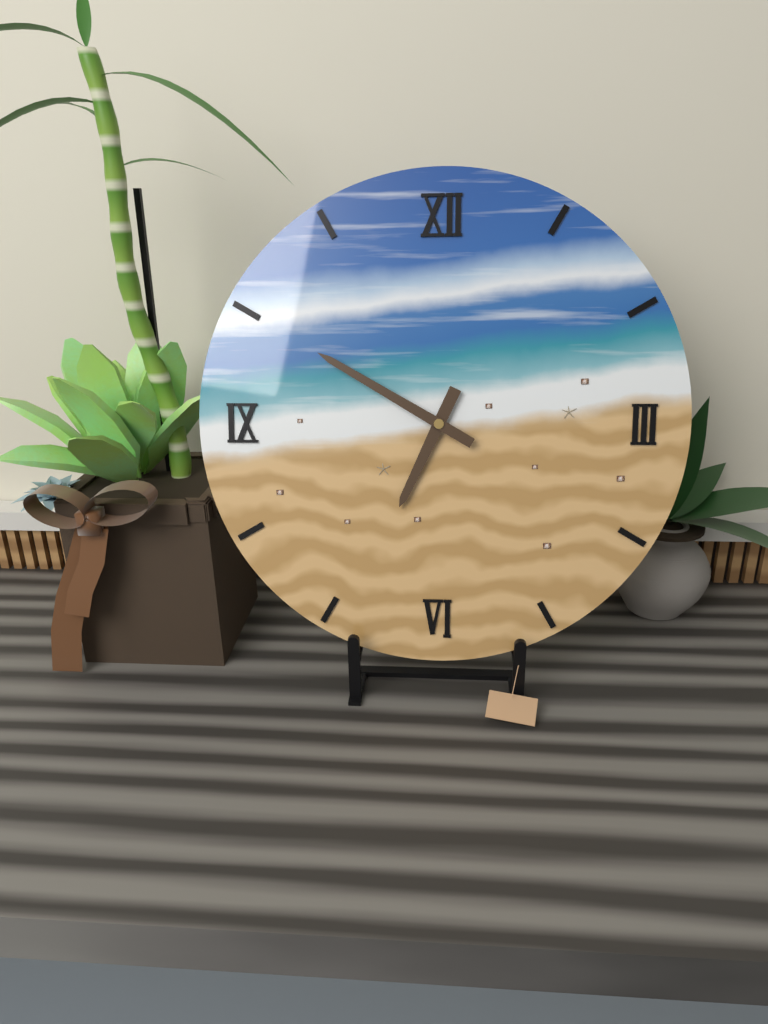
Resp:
6h50
